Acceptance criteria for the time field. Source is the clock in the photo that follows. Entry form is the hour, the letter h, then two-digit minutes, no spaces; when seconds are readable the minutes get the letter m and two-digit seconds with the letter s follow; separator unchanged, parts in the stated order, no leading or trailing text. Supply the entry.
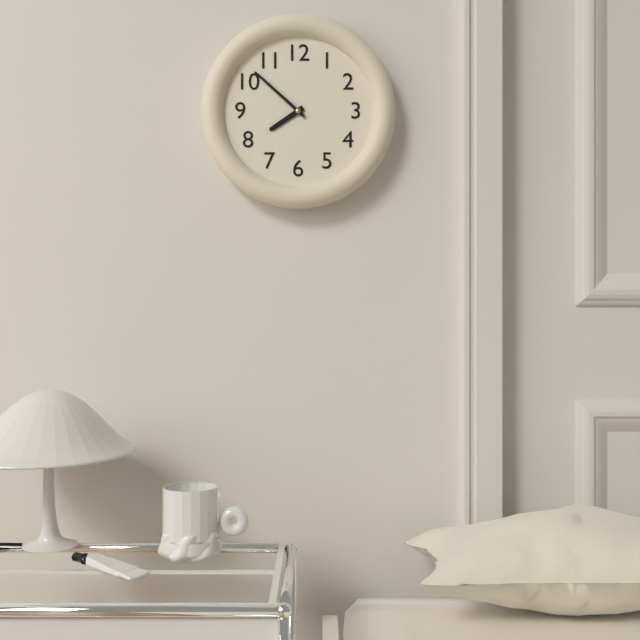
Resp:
7h52
